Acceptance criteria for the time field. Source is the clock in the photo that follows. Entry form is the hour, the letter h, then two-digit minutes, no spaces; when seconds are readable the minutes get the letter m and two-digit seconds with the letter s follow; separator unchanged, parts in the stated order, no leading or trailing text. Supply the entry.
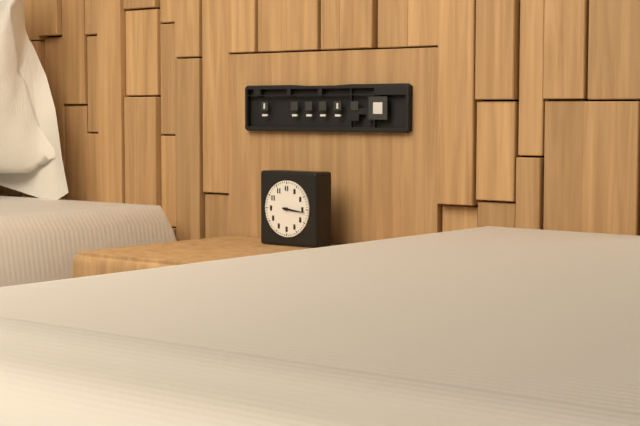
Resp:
3h16
